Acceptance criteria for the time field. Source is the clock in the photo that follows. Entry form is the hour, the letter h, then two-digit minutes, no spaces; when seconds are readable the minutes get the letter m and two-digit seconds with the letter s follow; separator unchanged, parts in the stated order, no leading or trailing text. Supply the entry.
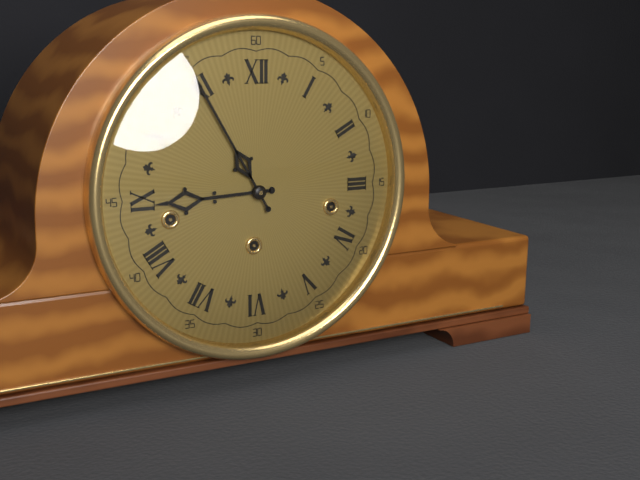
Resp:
8h55
